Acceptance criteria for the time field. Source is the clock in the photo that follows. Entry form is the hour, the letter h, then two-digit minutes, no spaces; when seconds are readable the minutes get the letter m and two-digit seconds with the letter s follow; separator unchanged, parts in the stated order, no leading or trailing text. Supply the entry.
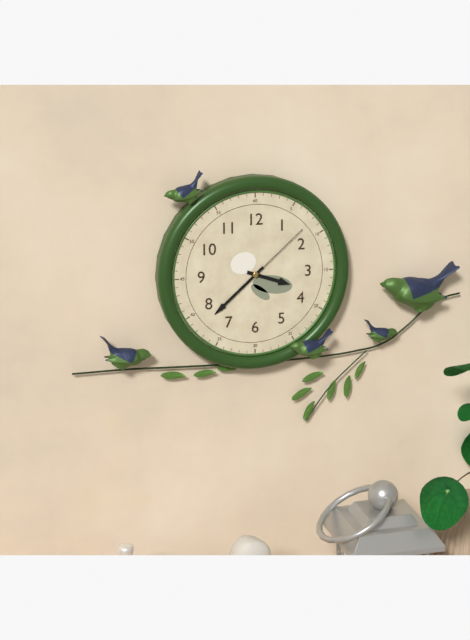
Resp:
3h38m08s
